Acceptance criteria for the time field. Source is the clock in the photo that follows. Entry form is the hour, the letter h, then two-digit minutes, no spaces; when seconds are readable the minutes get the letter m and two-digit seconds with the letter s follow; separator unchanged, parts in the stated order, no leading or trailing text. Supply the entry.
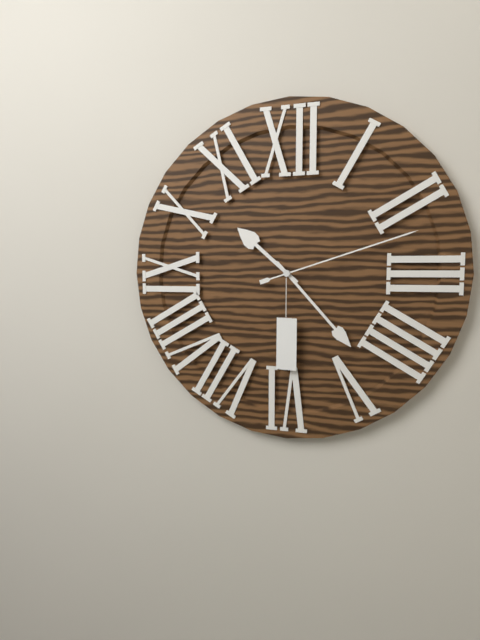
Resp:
10h23m12s
